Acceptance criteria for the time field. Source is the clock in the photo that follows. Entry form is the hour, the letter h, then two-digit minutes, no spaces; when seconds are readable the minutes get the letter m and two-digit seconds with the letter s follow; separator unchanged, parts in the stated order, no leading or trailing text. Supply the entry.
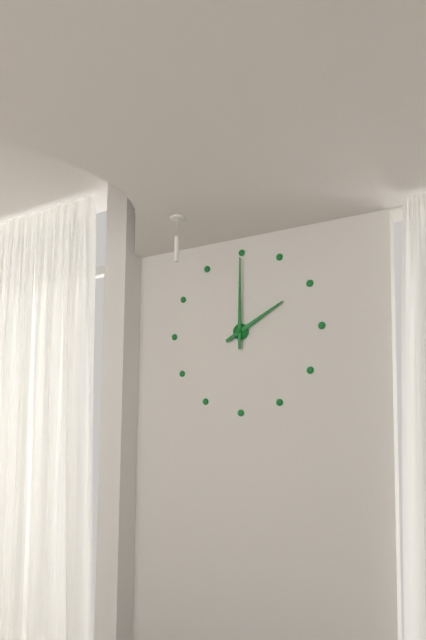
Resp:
2h00
